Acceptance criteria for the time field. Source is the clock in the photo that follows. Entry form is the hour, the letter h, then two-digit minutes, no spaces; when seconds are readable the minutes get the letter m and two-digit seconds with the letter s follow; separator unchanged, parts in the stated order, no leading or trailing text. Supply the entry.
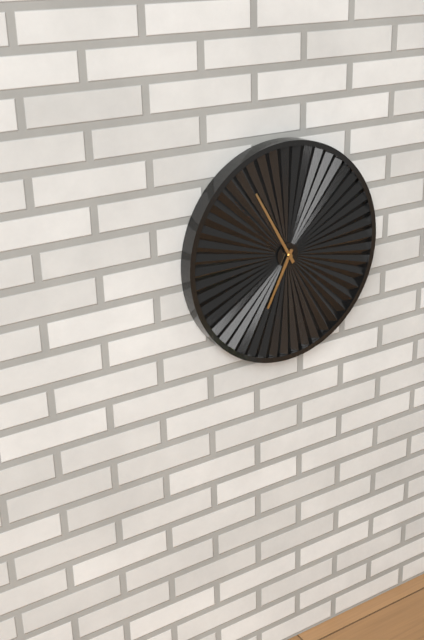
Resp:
6h55
